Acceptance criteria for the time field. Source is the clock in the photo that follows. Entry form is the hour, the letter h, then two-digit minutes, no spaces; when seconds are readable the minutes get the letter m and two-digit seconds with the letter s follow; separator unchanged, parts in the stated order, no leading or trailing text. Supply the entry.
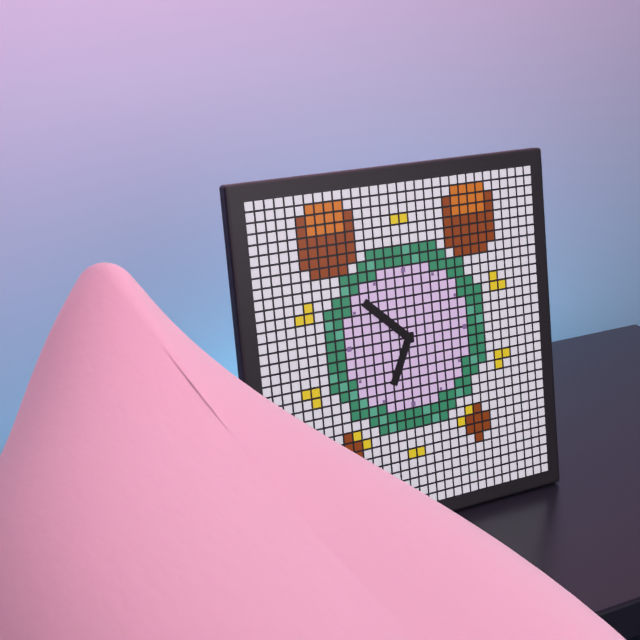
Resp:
6h52
